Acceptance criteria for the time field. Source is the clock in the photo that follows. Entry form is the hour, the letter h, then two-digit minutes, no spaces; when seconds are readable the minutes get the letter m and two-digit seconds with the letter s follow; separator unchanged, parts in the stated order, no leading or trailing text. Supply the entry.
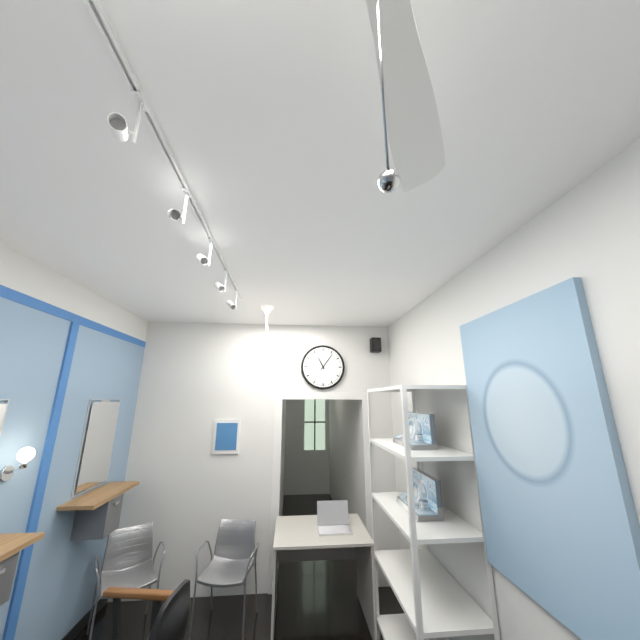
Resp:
11h06
